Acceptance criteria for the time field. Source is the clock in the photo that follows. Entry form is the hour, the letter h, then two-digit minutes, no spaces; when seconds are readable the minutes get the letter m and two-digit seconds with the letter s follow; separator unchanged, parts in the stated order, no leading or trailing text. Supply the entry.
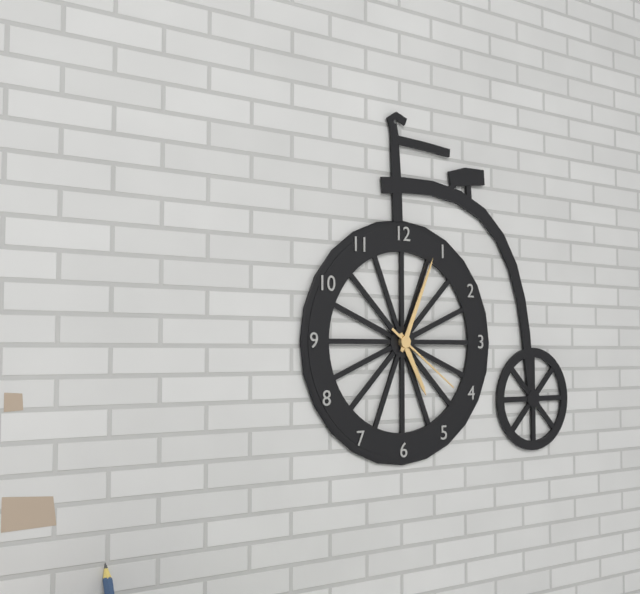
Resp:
5h04m21s
